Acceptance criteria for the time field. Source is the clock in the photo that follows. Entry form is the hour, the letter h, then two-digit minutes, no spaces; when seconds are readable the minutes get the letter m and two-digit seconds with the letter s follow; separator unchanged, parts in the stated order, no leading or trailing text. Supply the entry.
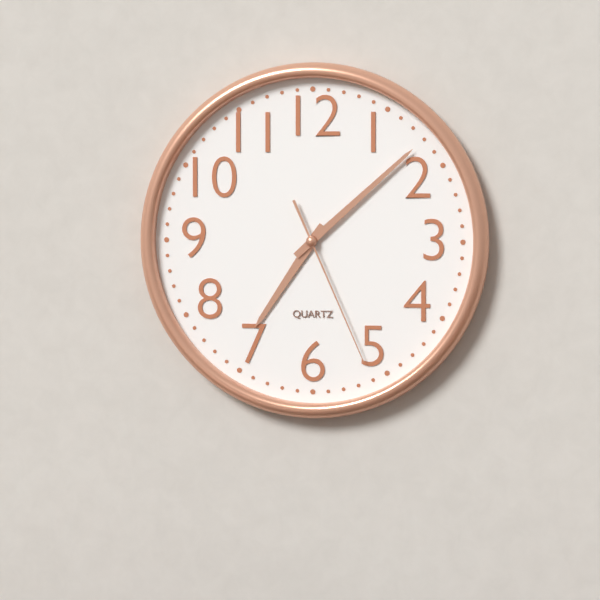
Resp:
7h08m26s
